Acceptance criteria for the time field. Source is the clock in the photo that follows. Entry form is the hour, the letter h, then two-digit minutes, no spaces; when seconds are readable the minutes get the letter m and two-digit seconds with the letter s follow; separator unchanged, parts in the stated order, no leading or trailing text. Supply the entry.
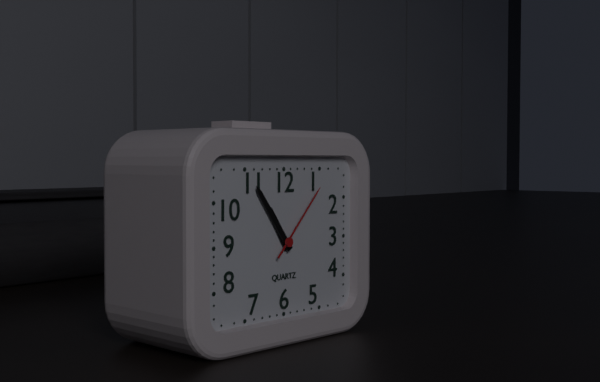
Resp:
10h54m07s
